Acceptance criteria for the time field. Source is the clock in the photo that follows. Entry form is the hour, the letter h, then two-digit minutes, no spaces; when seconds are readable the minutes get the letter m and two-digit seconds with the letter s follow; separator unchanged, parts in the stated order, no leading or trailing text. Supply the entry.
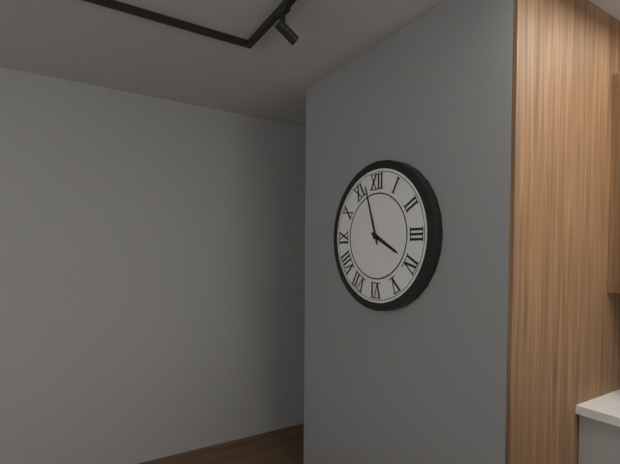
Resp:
3h57
